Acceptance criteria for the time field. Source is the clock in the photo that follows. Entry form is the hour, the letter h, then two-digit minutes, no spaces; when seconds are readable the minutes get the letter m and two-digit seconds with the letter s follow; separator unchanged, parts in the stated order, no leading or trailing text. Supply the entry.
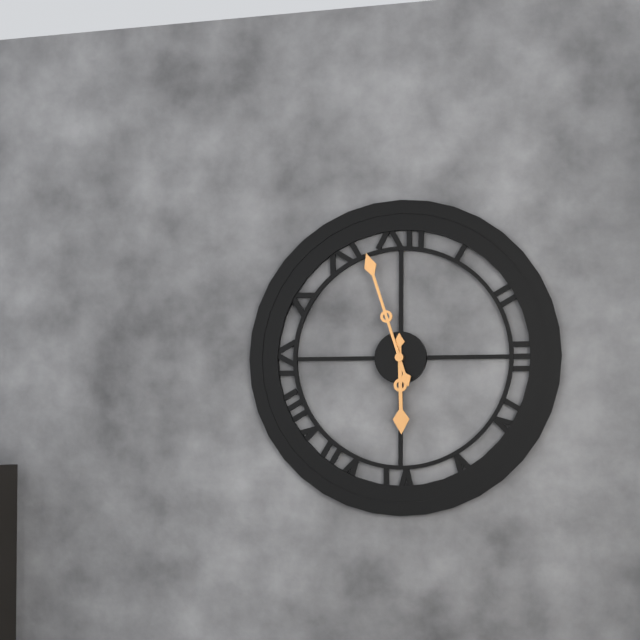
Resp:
5h57
